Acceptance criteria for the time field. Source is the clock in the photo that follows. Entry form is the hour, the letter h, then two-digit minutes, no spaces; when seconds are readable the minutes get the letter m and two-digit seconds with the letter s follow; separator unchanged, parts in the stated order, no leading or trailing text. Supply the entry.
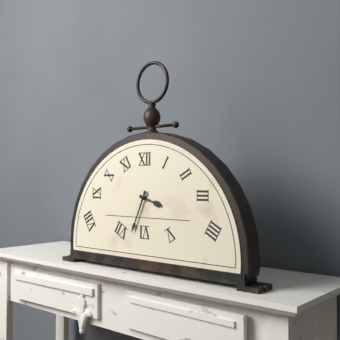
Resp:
3h34
